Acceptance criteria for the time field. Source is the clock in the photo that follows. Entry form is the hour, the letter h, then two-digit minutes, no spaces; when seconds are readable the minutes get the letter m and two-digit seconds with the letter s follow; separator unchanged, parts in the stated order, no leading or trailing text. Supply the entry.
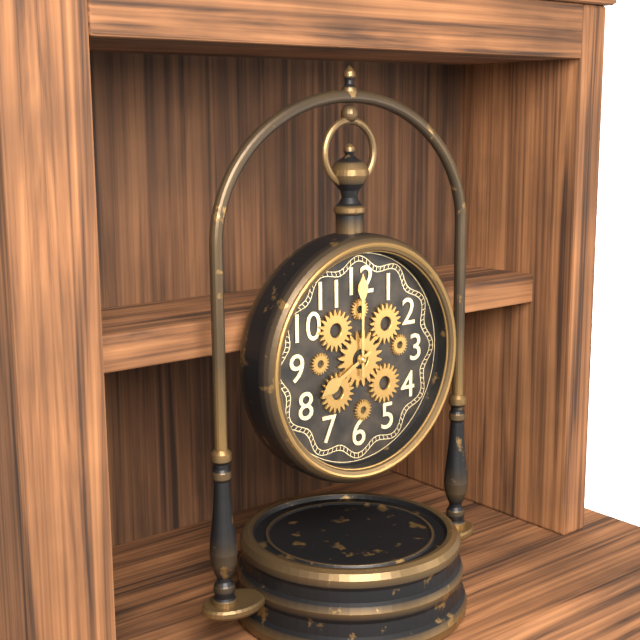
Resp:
8h00
